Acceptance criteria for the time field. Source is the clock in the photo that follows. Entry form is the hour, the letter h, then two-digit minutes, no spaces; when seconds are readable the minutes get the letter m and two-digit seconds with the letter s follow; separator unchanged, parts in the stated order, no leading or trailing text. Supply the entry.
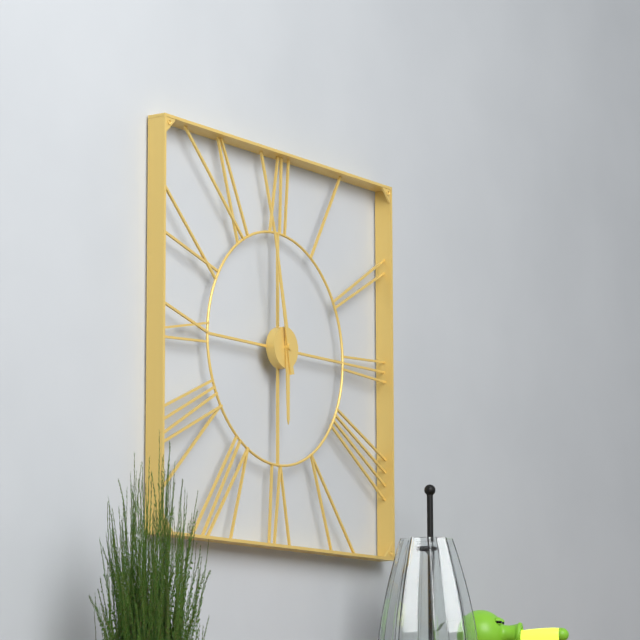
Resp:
5h58
